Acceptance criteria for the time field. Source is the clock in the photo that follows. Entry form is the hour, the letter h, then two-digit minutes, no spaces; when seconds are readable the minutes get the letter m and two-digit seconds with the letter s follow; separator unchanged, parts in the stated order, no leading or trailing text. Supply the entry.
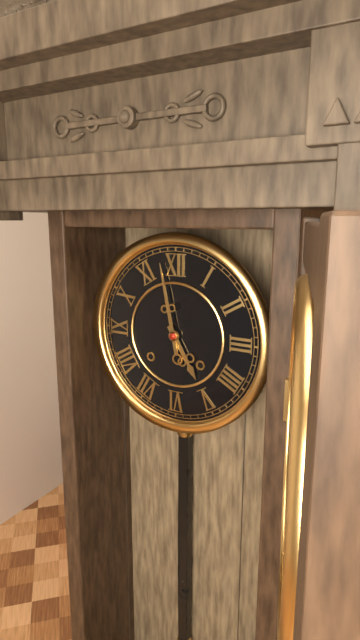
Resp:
4h58
